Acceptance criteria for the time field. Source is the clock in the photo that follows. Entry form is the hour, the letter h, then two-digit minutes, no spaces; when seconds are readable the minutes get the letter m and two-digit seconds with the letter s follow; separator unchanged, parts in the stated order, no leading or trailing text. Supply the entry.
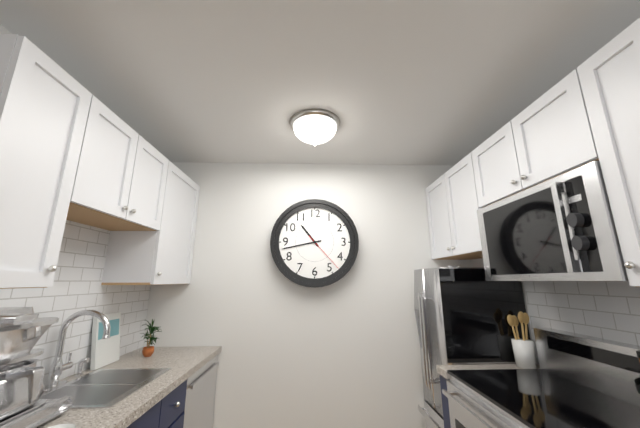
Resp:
10h43
